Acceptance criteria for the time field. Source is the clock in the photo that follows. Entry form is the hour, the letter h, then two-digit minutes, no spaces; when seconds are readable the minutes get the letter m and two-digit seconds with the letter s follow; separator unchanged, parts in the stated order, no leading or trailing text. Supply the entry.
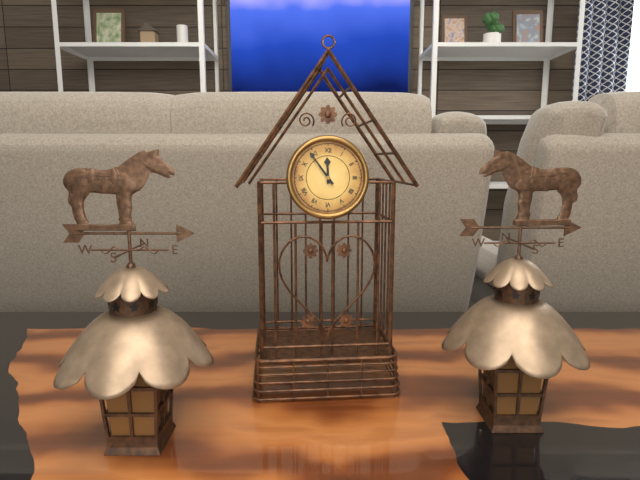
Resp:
11h54
